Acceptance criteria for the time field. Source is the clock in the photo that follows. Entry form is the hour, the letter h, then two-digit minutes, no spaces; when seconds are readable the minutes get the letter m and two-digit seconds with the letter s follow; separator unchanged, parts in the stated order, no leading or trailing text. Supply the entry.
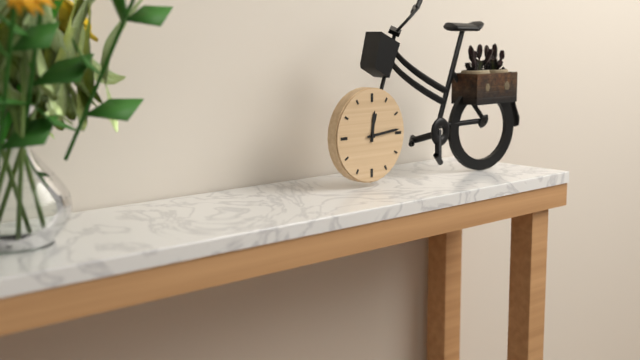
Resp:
12h14
